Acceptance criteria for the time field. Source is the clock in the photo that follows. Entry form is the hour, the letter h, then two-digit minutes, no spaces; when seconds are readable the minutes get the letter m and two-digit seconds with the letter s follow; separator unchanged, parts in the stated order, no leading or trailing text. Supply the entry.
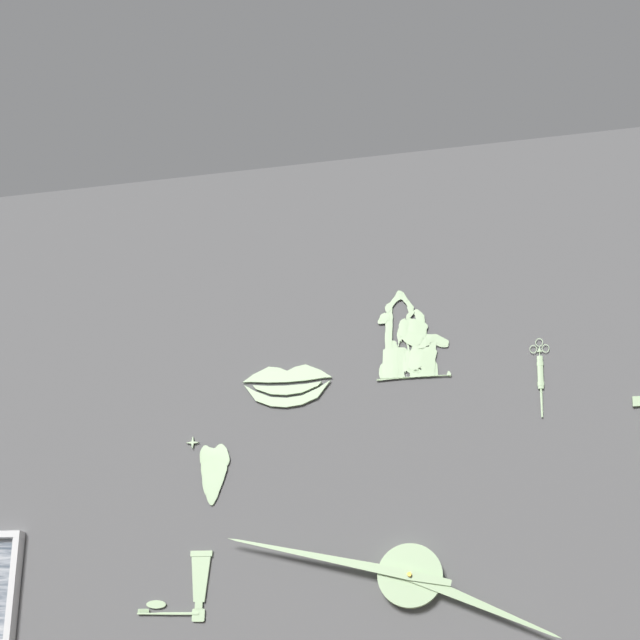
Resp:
3h47
